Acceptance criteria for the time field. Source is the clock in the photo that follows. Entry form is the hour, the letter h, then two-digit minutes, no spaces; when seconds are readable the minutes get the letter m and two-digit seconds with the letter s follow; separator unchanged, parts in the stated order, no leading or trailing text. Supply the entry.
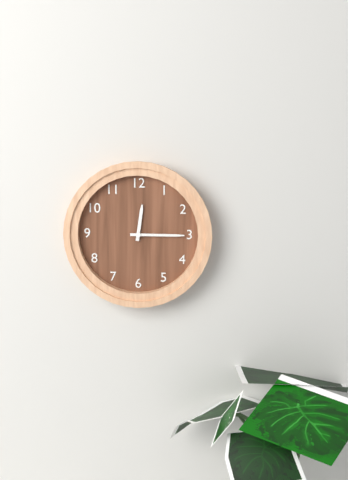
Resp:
12h15
